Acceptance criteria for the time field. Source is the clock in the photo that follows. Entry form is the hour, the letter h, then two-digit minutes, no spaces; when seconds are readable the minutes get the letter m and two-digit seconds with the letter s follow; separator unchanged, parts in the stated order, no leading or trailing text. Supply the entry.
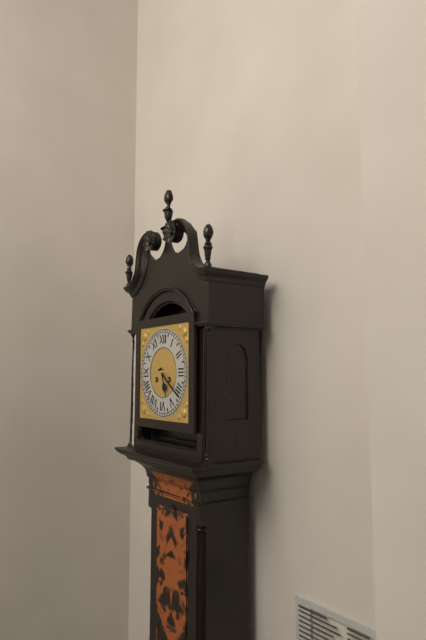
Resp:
5h21
